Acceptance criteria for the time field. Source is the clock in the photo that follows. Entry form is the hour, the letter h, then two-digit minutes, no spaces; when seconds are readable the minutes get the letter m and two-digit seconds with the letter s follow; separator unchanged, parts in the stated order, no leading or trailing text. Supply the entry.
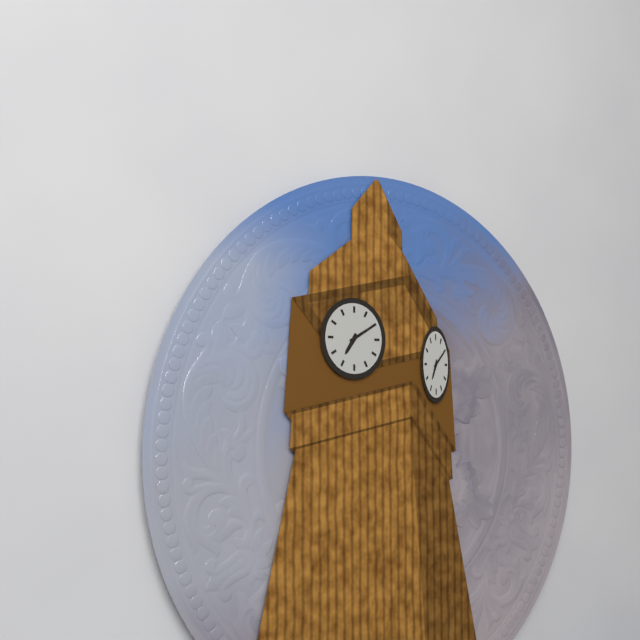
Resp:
7h10
